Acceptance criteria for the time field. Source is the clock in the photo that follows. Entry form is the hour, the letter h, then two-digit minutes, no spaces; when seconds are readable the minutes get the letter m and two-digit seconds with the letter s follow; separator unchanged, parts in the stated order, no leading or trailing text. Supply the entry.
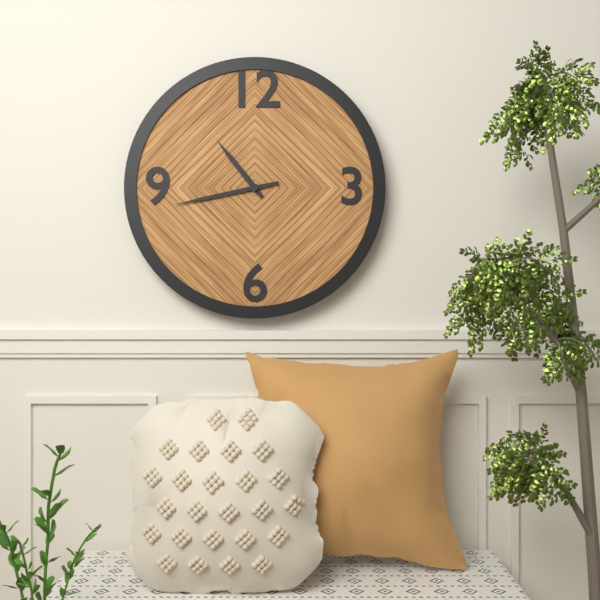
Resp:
10h43
